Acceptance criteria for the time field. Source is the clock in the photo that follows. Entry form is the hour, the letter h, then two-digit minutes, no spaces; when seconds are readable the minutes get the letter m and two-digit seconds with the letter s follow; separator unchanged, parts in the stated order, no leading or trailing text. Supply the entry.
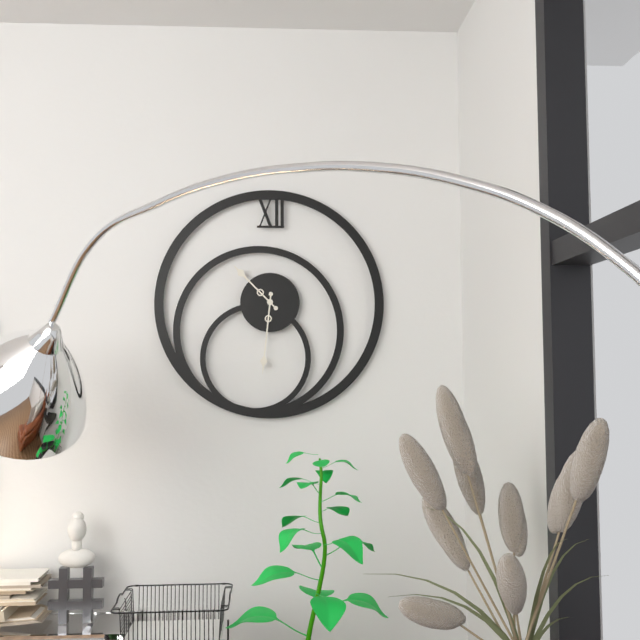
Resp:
10h31
